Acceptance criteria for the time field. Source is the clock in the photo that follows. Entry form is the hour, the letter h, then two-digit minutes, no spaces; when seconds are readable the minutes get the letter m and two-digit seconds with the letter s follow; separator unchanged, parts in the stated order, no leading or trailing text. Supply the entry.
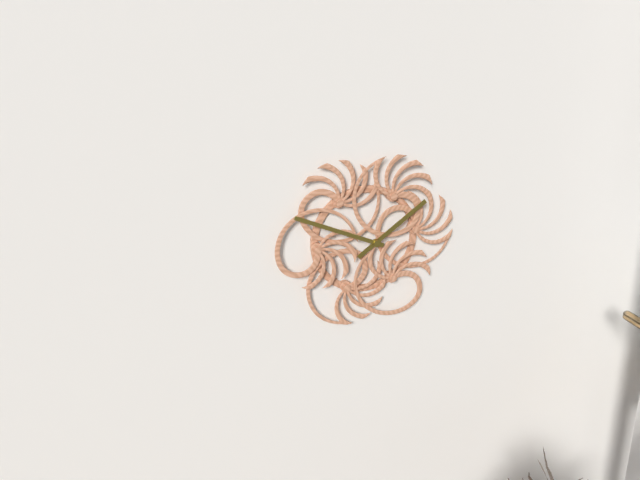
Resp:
1h49
